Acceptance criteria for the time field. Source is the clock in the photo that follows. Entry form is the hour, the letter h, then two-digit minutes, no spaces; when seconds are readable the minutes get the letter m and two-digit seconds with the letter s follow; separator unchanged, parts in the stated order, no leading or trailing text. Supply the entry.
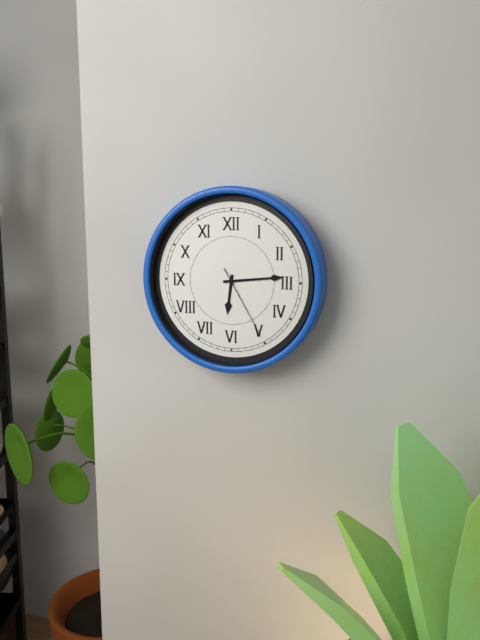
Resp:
6h14m25s
